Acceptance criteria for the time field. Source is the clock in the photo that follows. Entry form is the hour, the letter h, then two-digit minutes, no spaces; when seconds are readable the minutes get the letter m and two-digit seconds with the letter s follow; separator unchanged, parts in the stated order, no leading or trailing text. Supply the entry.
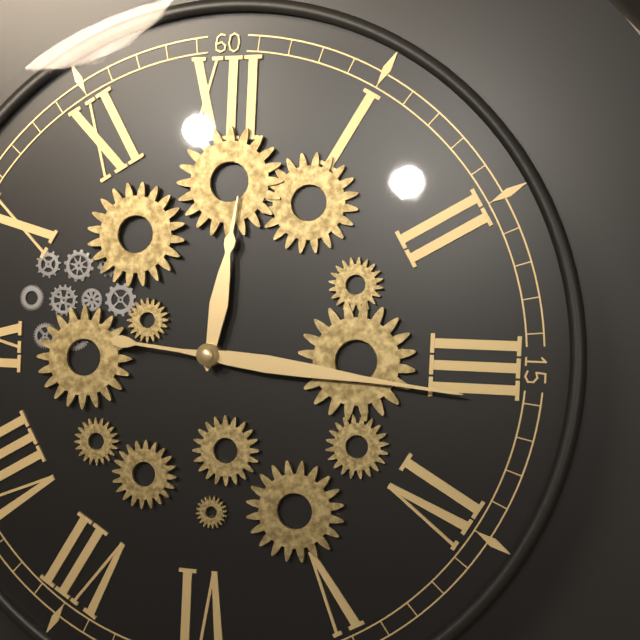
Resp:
12h16
